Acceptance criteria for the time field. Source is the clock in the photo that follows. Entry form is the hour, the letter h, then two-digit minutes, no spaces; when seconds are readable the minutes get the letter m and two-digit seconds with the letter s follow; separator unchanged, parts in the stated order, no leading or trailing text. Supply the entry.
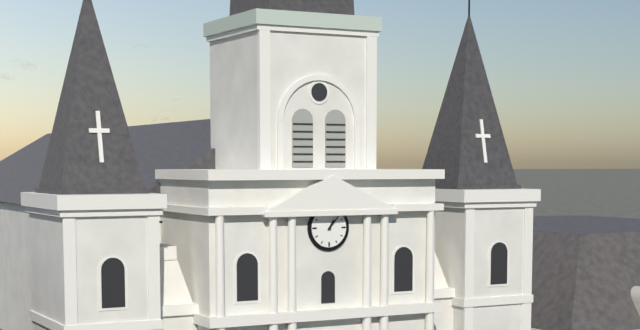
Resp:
1h07
